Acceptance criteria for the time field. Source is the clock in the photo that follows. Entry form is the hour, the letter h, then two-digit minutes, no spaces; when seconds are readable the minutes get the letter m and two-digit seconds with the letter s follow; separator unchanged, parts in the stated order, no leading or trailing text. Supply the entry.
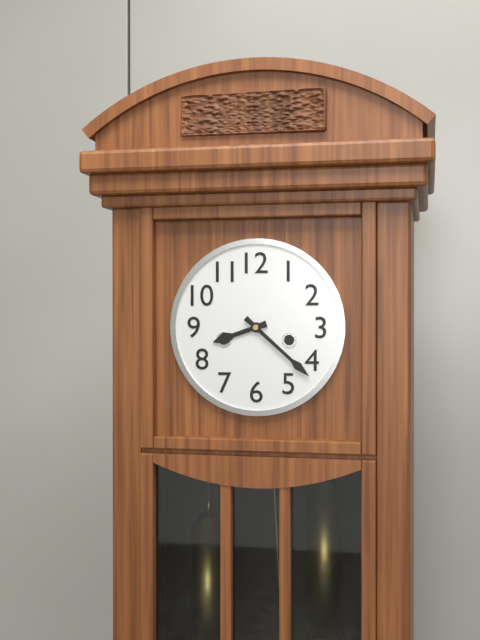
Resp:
8h22
